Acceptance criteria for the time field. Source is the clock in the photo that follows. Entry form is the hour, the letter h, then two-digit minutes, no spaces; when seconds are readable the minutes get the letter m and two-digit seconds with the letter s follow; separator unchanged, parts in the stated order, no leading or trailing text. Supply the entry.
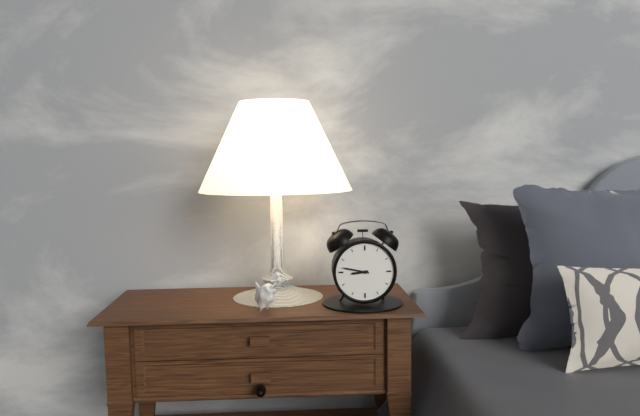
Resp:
8h47
